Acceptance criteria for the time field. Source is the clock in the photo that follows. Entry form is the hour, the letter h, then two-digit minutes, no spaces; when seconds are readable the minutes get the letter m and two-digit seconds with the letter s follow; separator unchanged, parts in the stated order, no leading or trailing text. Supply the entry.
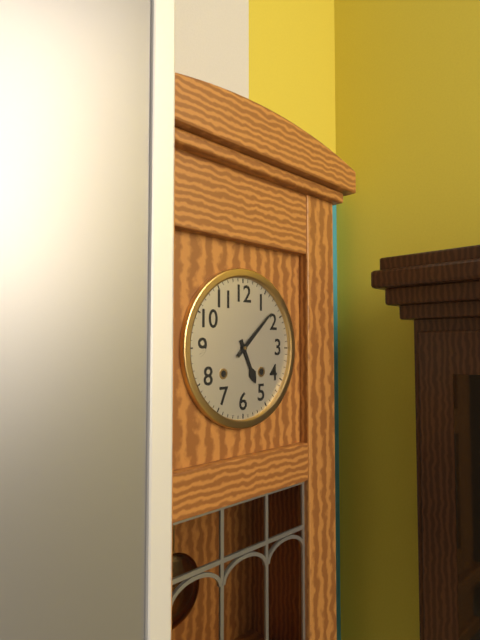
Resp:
5h08
